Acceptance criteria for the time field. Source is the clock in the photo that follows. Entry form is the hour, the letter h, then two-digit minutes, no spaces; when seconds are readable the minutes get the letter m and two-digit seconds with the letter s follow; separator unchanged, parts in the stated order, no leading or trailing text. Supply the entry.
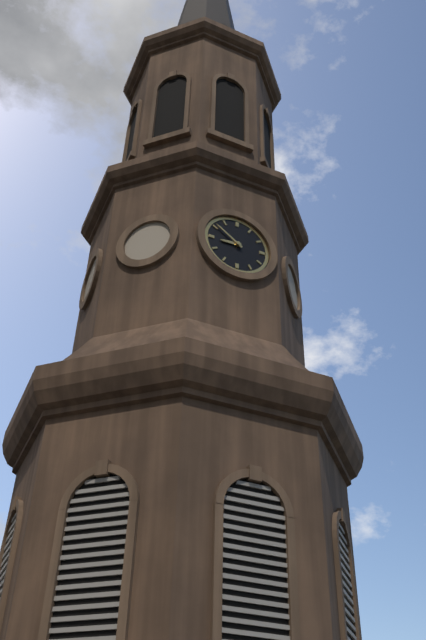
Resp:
8h51
